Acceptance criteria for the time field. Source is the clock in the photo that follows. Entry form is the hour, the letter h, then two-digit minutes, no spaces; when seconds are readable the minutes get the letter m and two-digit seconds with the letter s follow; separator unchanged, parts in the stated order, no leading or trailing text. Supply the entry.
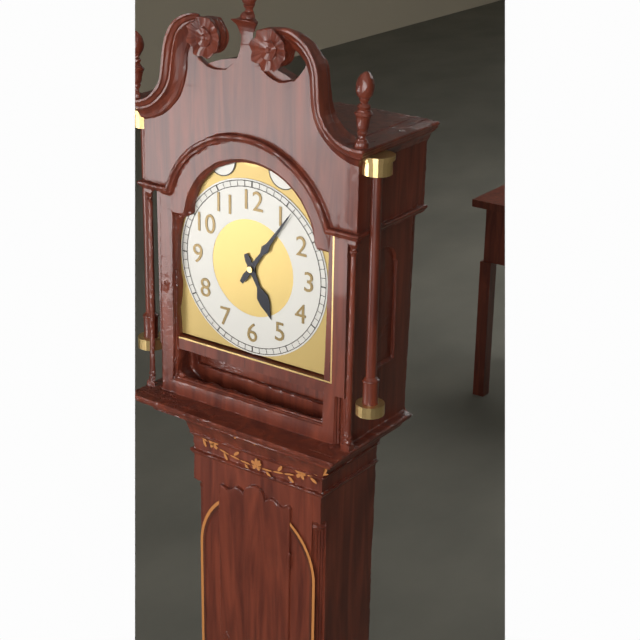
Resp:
5h06
